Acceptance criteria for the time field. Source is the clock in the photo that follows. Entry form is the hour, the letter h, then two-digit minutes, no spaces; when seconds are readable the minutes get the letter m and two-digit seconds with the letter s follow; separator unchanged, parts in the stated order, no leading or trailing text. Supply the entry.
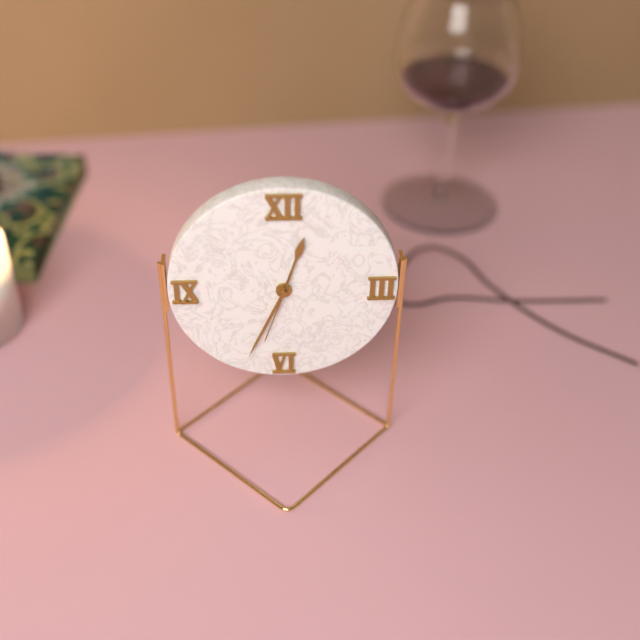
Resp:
12h34m33s
